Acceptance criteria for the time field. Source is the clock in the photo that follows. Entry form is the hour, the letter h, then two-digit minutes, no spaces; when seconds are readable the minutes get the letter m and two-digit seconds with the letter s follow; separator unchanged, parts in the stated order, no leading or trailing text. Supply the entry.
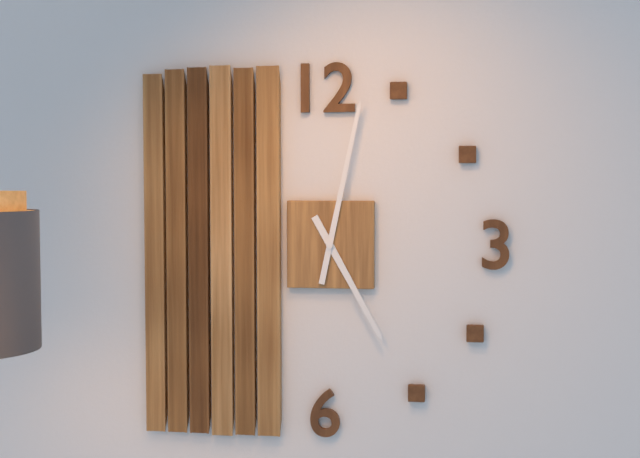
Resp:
5h02
